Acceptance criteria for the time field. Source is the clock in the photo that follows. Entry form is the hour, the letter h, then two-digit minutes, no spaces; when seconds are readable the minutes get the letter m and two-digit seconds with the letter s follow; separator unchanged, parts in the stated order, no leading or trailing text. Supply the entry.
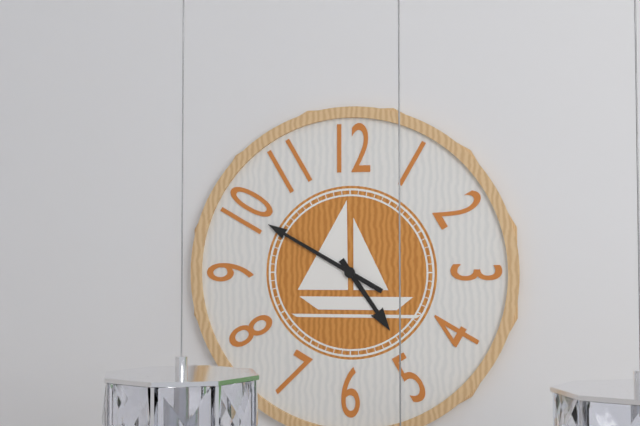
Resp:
4h50
